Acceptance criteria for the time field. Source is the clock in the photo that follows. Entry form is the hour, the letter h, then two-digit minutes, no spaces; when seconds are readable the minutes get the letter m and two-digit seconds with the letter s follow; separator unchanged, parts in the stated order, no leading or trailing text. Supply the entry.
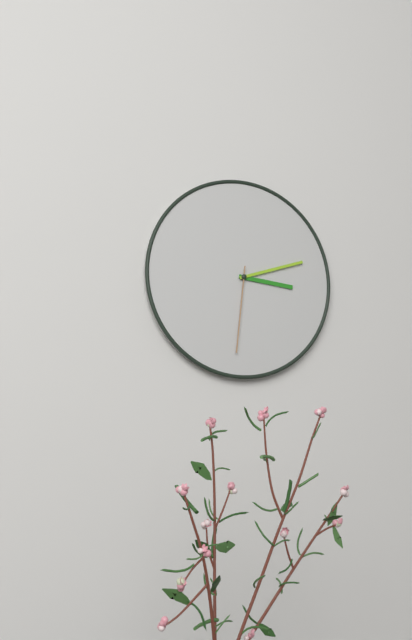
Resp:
3h12m31s
